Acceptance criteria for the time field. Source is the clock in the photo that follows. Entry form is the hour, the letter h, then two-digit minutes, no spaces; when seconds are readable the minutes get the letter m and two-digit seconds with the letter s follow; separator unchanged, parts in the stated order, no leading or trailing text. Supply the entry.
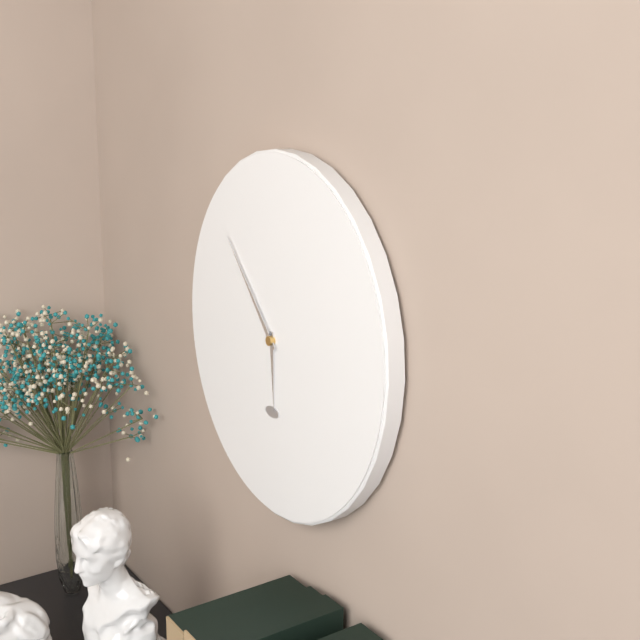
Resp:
5h53
